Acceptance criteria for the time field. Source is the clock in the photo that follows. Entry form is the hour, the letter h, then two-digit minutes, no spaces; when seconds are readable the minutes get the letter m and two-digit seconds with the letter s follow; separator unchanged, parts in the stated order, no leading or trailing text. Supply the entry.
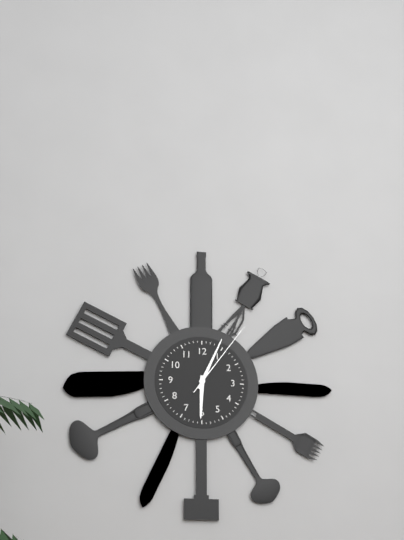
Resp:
6h04m06s
